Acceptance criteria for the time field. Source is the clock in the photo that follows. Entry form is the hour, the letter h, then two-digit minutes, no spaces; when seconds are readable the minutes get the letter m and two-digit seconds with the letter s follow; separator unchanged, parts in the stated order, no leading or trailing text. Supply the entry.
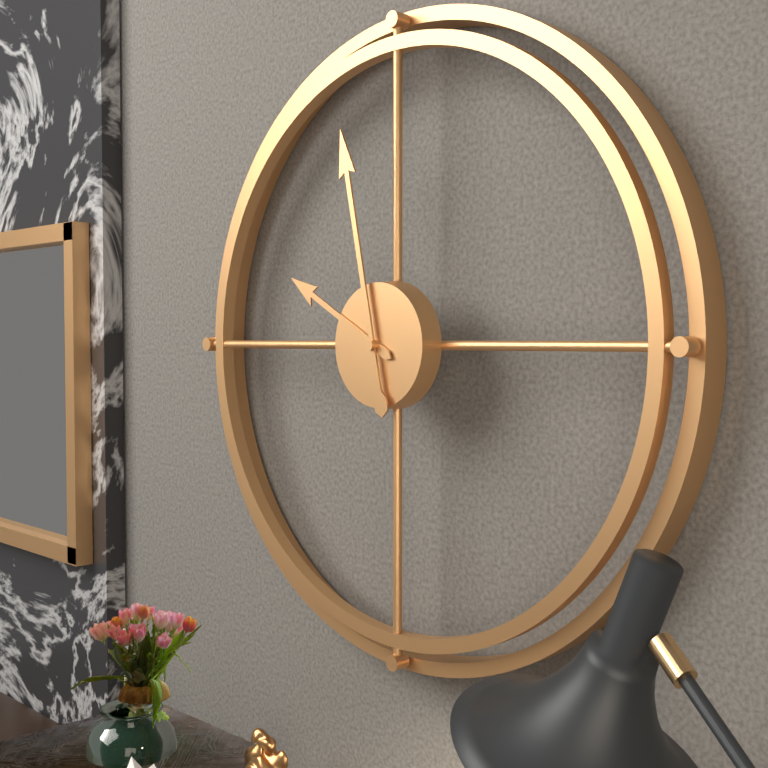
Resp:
9h58
